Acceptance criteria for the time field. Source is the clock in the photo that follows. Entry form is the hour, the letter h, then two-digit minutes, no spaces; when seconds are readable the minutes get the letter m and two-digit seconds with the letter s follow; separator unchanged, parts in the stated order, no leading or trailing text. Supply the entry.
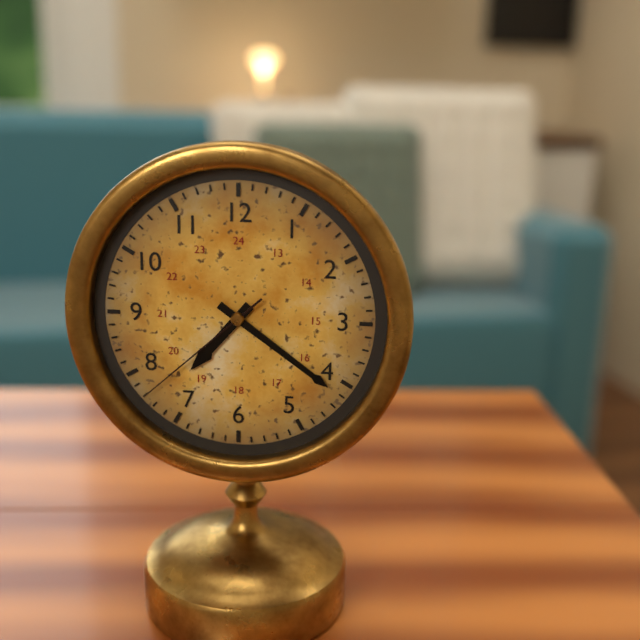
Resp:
7h21m38s
